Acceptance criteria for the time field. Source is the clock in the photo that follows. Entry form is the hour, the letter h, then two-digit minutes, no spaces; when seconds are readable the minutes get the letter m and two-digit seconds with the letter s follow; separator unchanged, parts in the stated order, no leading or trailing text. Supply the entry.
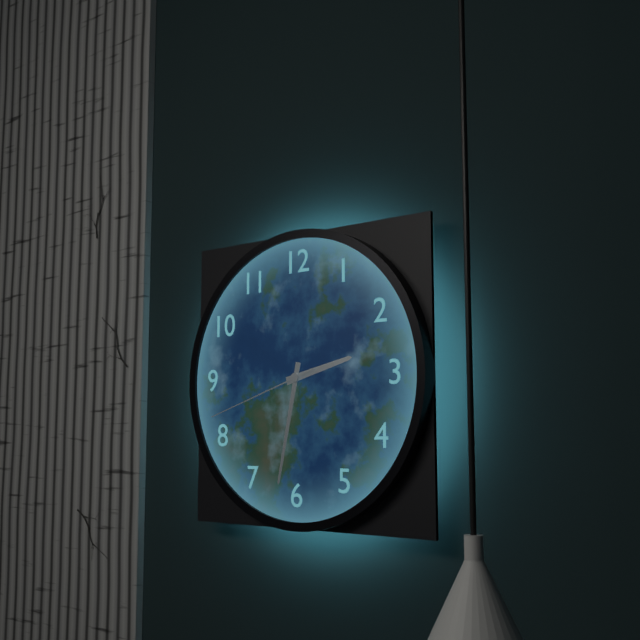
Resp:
2h32m42s
